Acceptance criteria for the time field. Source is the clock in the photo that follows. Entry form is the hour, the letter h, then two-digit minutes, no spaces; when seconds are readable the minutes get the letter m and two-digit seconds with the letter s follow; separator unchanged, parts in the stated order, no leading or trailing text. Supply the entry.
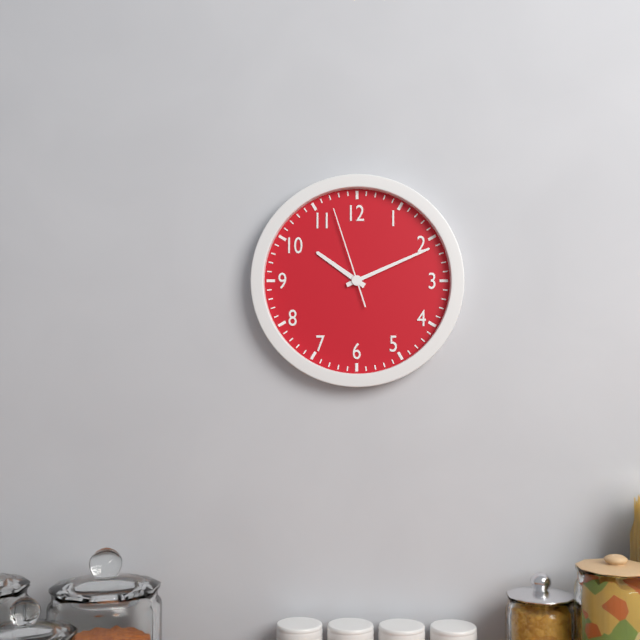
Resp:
10h11m57s
